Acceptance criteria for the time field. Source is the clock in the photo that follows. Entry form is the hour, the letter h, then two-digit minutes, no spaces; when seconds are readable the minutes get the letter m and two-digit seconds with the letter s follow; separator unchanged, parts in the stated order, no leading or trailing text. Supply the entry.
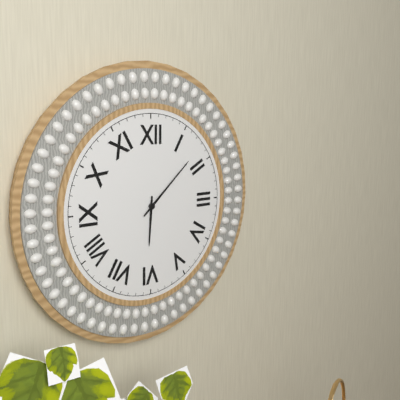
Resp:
6h08
